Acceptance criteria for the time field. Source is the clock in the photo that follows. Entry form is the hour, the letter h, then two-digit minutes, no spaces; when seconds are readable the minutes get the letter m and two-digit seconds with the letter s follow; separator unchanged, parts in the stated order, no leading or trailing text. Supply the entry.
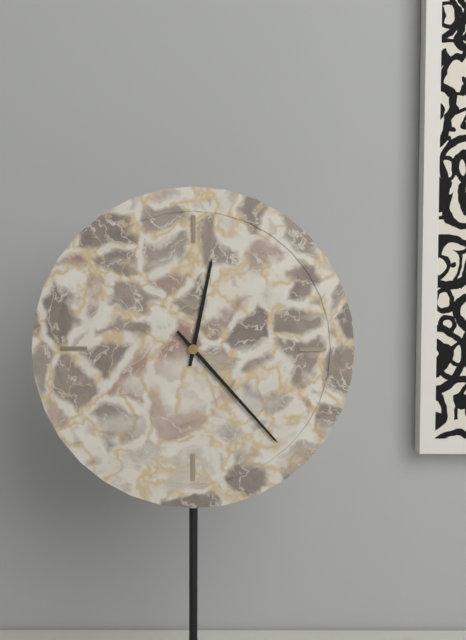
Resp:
12h23
